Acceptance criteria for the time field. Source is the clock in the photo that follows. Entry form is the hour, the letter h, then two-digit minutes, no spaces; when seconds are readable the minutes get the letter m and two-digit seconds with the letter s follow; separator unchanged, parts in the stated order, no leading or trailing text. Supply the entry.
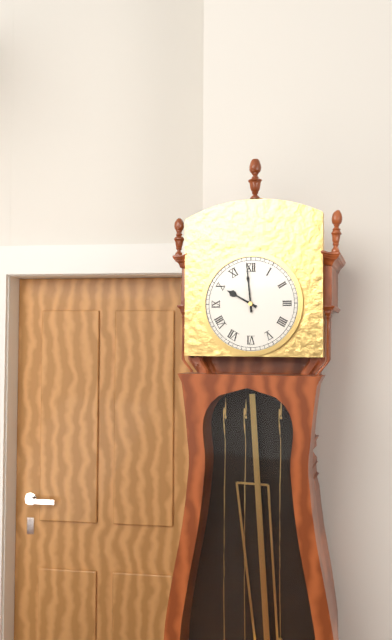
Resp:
9h59
